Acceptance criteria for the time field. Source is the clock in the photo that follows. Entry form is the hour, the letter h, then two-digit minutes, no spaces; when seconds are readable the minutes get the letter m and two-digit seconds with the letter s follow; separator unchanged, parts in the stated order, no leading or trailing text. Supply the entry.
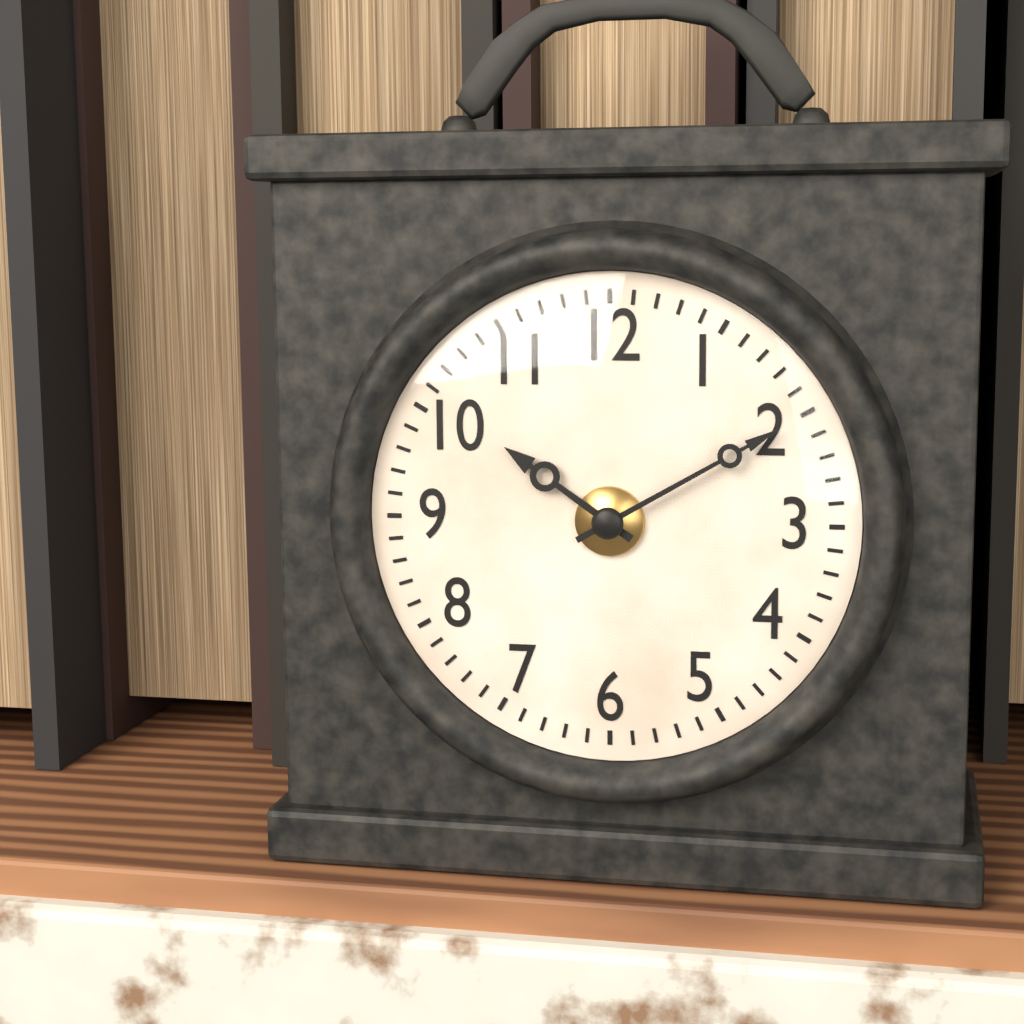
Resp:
10h10
